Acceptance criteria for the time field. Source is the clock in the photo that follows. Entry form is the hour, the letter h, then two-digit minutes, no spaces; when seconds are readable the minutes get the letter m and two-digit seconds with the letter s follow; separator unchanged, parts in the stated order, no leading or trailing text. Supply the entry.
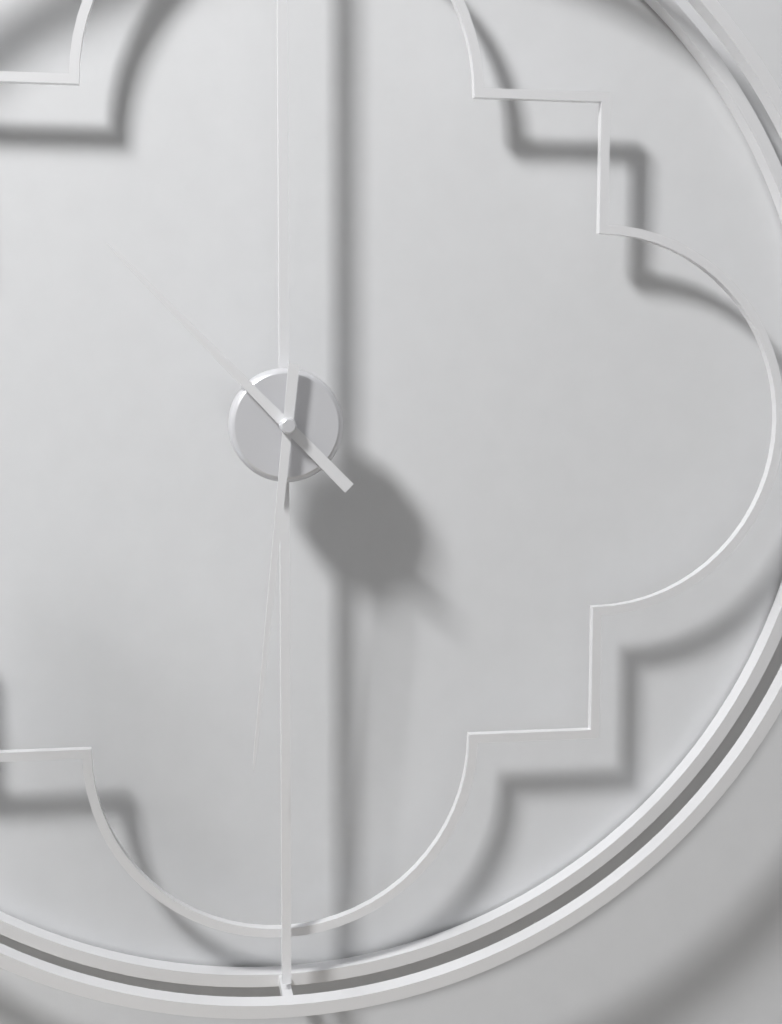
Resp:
10h31
